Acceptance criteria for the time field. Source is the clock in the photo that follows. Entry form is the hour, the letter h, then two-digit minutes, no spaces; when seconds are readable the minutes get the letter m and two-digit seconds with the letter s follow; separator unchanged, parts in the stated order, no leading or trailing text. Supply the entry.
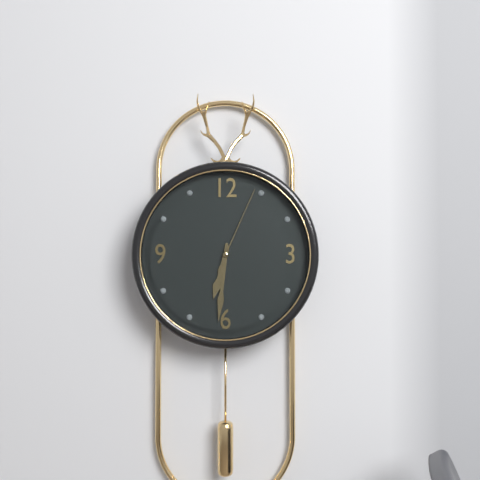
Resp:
6h31m04s
